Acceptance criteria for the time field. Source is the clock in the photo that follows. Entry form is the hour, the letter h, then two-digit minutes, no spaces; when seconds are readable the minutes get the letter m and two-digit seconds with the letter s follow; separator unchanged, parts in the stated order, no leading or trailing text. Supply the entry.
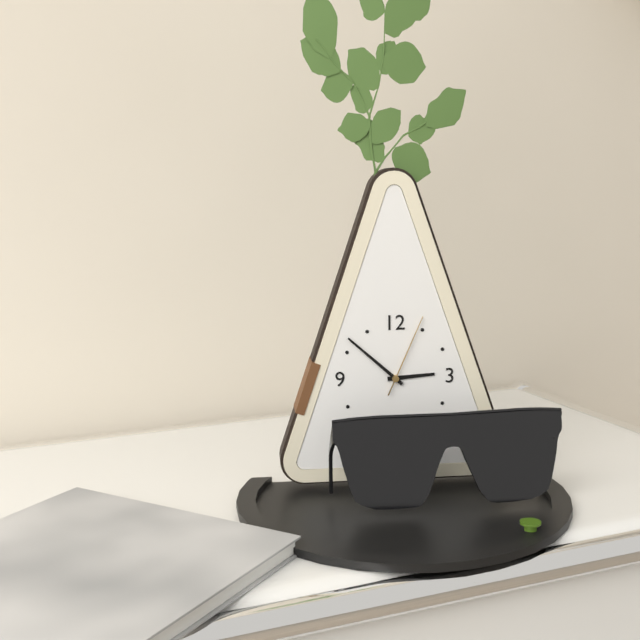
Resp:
2h52m04s
